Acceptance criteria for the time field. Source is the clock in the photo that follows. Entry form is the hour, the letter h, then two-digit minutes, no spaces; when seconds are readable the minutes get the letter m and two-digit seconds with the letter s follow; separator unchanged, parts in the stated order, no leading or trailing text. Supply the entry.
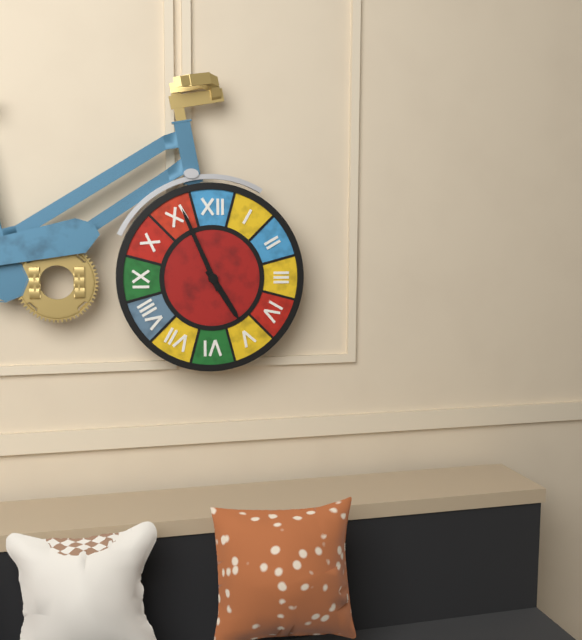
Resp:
4h56
